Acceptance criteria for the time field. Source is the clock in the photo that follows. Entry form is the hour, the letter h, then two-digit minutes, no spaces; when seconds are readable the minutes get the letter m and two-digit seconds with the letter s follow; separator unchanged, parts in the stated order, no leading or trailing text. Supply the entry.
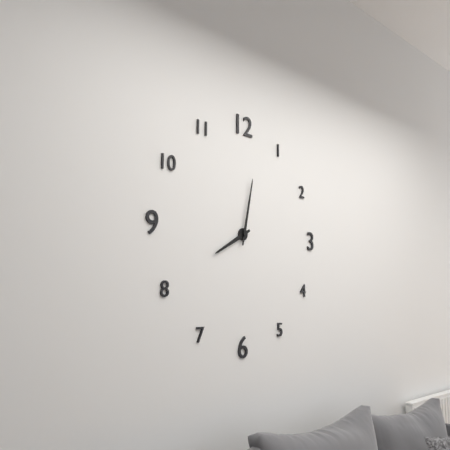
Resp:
8h02
